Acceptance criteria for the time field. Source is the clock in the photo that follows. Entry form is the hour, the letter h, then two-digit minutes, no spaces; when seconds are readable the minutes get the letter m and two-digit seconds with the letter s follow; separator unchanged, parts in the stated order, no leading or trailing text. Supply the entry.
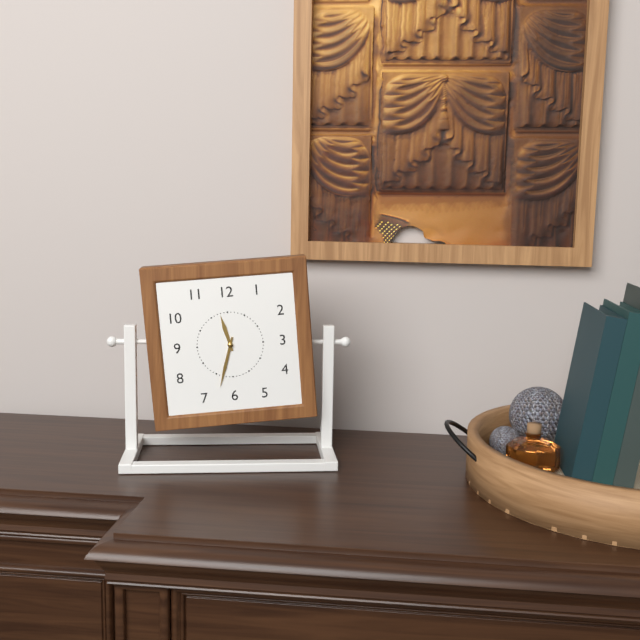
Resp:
11h33
